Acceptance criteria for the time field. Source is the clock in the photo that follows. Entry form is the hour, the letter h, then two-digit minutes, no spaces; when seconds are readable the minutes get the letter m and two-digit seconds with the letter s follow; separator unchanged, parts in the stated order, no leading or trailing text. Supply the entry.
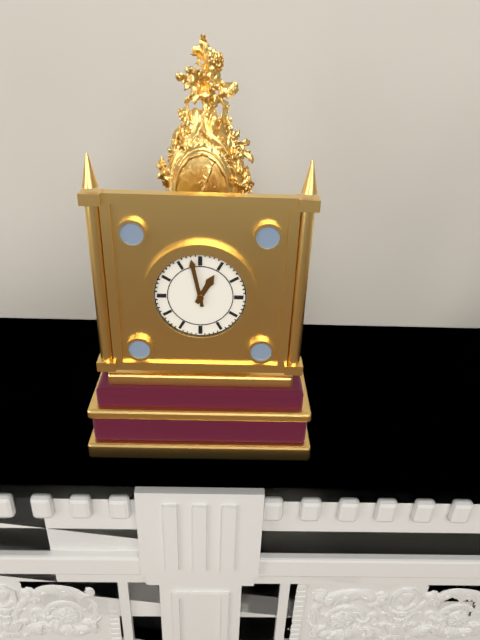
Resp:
12h58
